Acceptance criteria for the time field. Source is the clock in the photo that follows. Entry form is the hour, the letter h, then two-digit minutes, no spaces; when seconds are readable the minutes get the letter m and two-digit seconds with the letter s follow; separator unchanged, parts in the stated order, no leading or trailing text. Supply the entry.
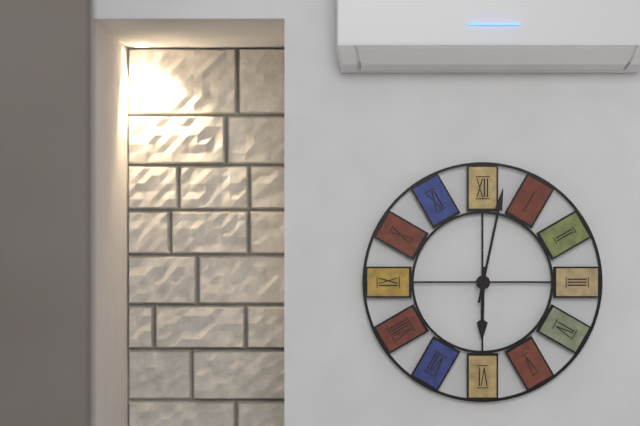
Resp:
6h02
